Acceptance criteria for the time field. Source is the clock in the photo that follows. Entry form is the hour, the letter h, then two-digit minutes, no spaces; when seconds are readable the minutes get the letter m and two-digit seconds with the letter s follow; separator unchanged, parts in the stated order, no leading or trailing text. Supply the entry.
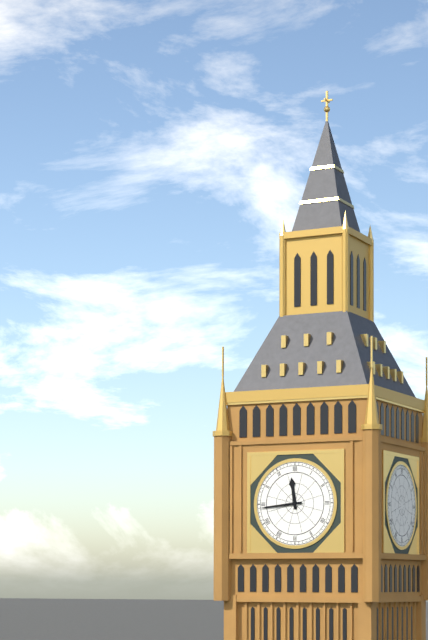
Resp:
11h44
